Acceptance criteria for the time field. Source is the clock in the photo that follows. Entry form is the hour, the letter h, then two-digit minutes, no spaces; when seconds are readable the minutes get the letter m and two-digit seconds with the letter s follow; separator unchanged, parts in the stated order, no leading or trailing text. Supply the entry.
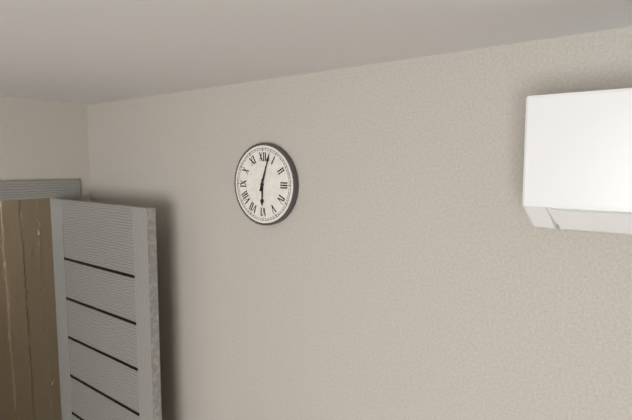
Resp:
6h03
